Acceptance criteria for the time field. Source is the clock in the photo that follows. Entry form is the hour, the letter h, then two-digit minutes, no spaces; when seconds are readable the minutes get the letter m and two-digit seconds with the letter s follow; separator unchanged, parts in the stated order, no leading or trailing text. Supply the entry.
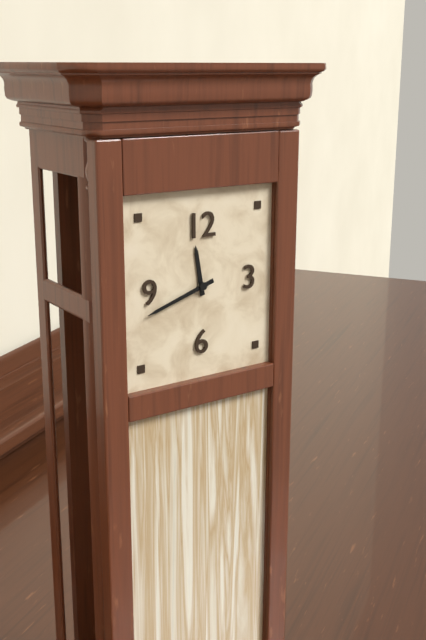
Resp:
11h42
